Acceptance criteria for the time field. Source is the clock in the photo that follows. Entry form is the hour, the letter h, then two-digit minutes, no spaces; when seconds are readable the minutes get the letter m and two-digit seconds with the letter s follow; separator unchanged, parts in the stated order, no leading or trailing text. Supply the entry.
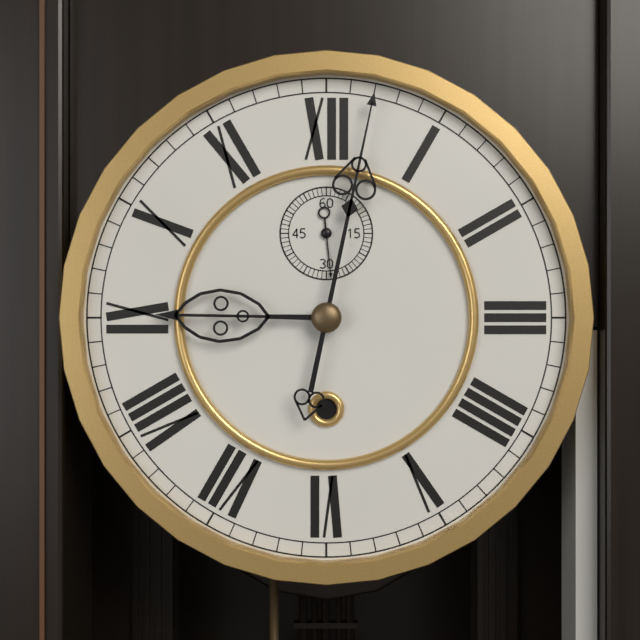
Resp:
9h02m29s
